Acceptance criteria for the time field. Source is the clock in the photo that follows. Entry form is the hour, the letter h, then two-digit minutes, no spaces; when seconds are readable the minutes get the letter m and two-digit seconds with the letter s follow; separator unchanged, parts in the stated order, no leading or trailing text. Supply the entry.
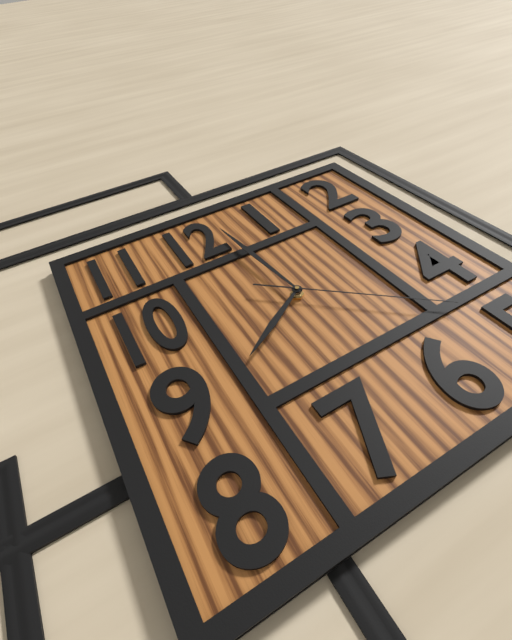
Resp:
7h59m22s
